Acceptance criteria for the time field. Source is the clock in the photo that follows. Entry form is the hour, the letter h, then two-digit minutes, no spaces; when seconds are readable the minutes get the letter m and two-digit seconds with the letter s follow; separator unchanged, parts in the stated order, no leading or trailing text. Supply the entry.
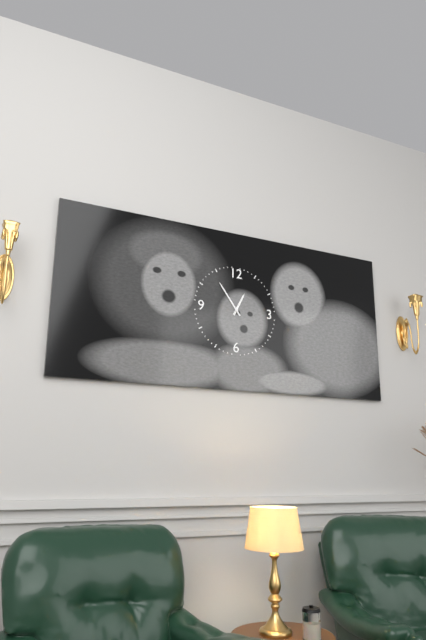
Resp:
12h54
